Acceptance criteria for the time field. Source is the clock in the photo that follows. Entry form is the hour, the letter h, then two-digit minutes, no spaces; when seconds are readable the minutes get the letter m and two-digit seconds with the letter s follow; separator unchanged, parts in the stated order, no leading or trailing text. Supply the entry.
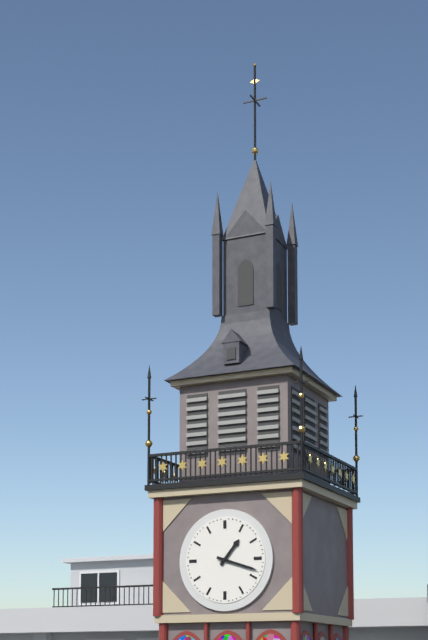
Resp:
1h18
